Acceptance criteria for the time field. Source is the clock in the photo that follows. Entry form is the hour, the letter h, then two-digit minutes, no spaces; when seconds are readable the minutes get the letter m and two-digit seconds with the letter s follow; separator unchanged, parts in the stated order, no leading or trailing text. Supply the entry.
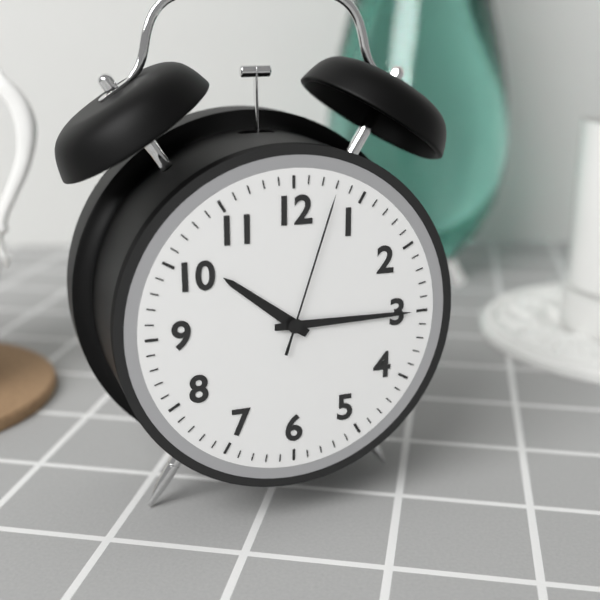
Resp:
10h15m03s
